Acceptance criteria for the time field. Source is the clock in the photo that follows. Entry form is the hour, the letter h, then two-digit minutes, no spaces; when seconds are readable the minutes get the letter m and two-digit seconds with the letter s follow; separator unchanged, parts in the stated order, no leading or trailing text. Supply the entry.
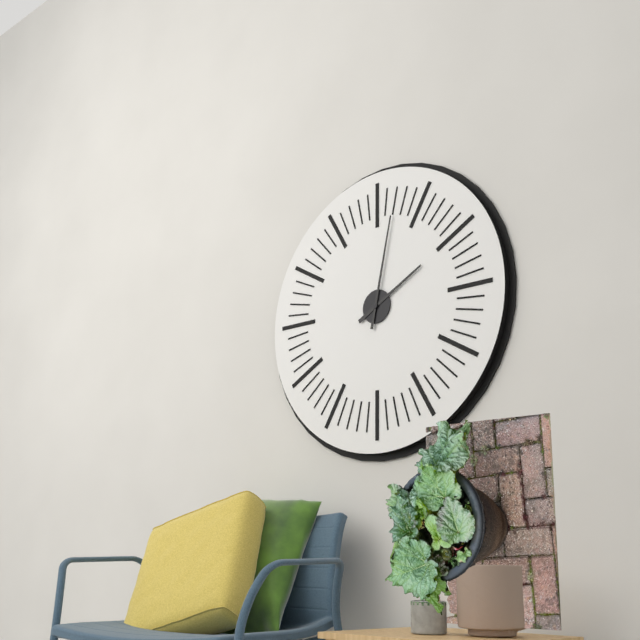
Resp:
2h02
